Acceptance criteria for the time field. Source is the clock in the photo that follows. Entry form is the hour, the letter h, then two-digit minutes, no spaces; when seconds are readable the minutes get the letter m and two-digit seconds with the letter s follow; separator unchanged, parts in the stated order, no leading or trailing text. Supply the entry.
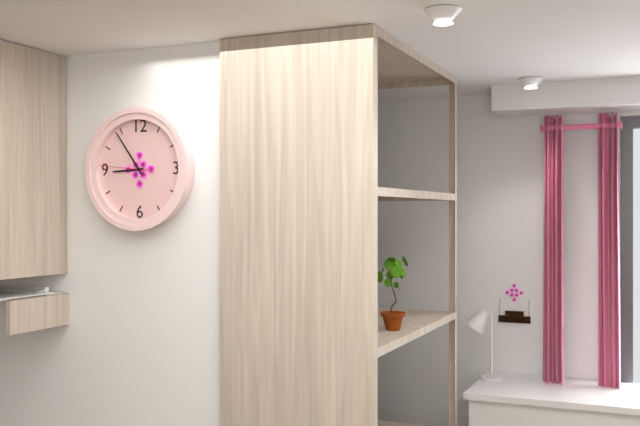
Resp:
8h54
